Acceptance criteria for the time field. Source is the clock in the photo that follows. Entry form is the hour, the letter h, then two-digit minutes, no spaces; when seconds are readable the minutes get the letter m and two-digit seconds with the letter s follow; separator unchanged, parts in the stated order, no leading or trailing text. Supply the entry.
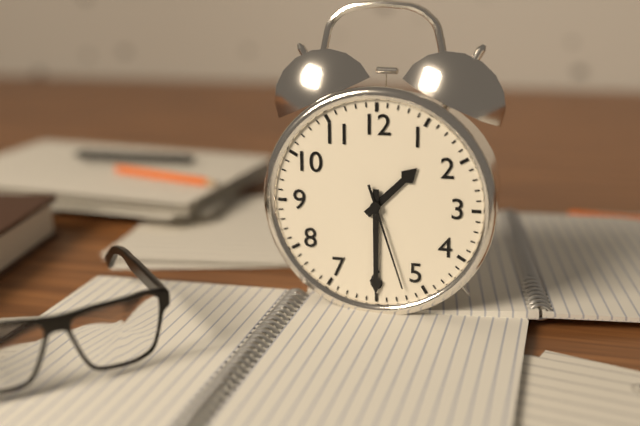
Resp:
1h30m27s
